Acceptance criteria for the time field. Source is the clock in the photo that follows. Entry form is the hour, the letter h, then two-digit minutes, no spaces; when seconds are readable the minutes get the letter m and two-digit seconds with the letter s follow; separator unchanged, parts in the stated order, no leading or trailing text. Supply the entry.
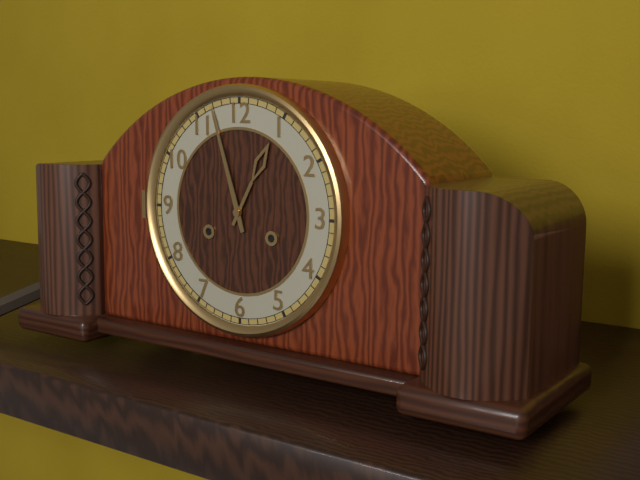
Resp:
12h57
